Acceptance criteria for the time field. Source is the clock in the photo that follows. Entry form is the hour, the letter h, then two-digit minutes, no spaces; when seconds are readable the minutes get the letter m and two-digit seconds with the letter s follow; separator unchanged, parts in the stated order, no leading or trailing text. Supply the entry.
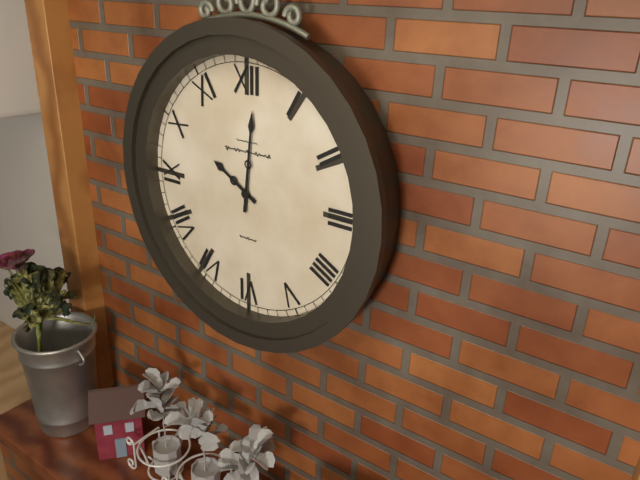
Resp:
10h01
